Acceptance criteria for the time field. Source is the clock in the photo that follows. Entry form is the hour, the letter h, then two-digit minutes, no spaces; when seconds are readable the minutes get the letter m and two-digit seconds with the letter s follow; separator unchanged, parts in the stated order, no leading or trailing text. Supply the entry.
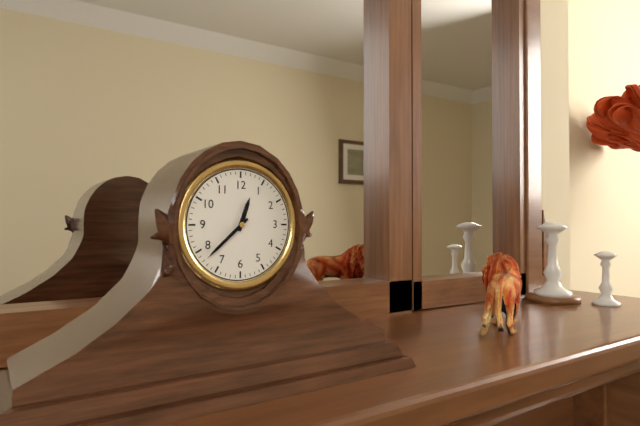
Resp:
12h38
